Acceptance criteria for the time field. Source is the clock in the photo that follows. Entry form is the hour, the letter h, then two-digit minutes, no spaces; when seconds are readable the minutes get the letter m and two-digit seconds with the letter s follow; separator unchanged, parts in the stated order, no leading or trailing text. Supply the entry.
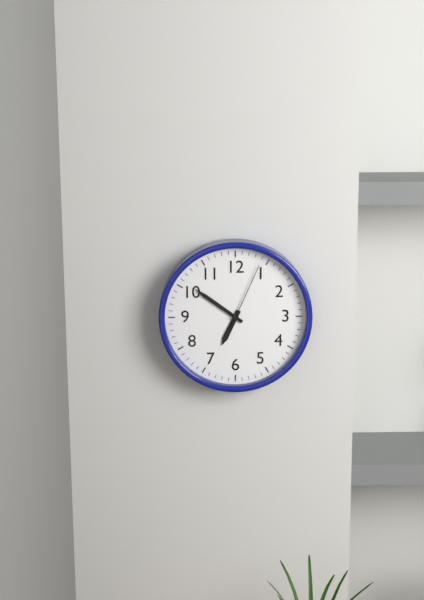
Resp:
6h51m04s
